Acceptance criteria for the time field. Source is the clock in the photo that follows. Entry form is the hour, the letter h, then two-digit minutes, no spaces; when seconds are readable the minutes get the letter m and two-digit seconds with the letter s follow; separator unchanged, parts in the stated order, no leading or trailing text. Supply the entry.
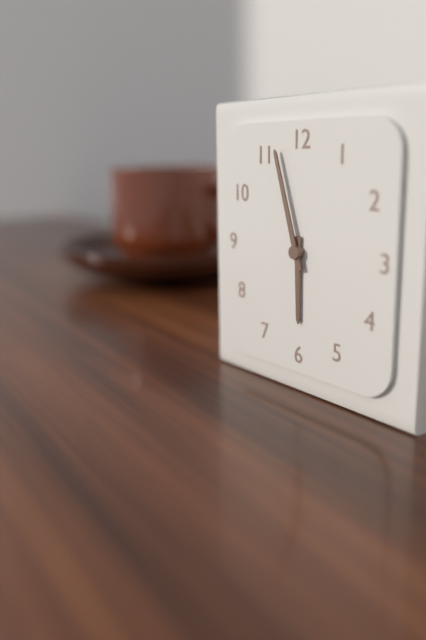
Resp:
5h57
